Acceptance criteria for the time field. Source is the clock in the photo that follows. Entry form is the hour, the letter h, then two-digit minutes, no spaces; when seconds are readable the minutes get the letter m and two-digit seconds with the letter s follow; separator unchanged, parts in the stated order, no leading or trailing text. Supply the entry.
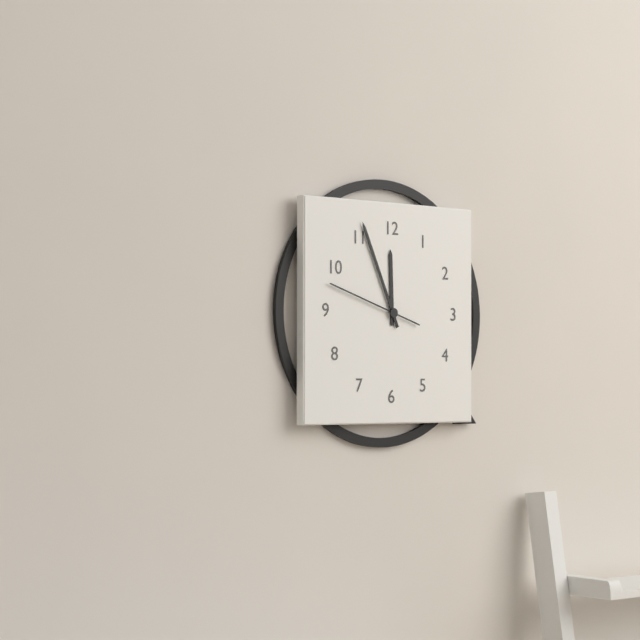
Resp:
11h56m48s
